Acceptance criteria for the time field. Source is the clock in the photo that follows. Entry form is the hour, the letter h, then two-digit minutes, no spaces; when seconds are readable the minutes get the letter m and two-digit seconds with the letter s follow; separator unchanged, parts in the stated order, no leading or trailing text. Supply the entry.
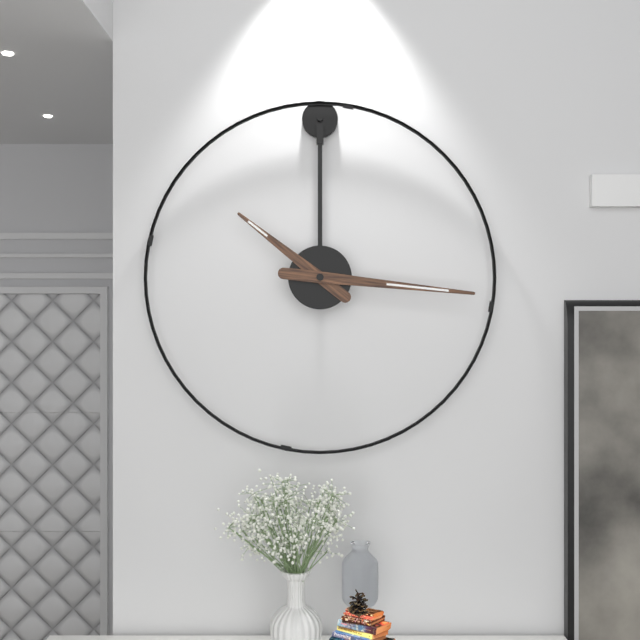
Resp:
10h16
